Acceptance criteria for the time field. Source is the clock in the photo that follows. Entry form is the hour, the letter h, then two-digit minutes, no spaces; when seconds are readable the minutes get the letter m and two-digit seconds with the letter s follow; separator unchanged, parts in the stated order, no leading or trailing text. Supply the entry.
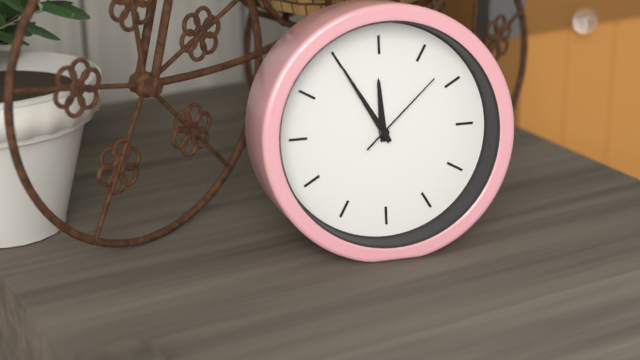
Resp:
11h55m08s
